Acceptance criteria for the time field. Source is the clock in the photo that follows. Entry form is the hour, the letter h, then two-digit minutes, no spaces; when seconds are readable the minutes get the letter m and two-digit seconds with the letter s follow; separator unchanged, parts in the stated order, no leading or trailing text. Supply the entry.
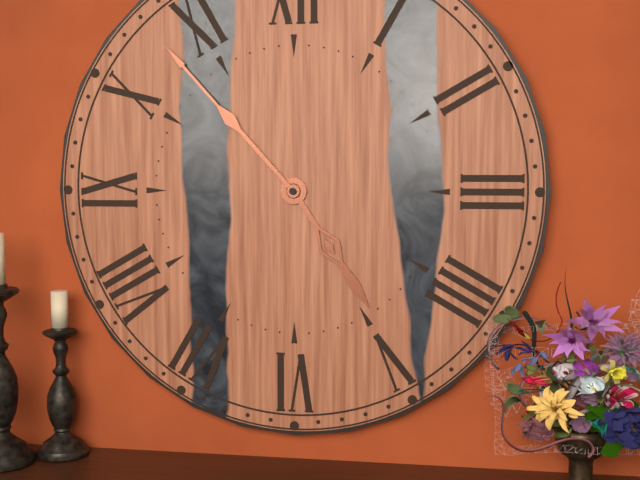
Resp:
4h53
